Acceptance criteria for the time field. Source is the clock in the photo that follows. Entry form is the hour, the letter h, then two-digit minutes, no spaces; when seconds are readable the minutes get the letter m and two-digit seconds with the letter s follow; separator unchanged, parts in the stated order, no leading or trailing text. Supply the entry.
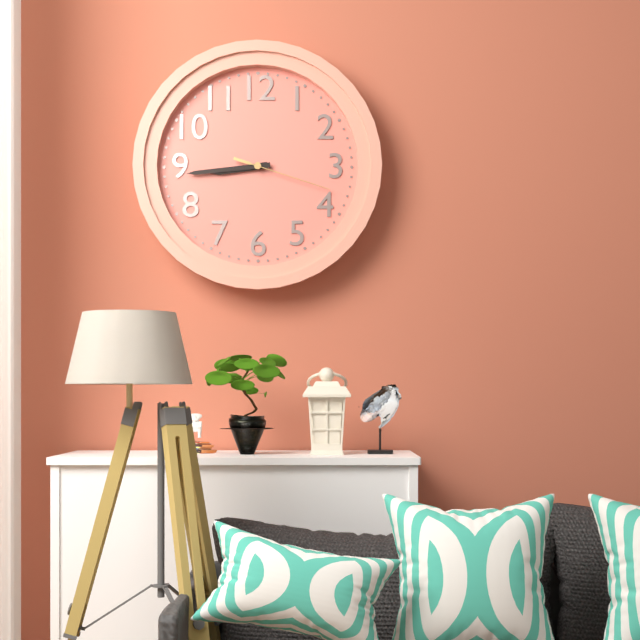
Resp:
8h44m18s
